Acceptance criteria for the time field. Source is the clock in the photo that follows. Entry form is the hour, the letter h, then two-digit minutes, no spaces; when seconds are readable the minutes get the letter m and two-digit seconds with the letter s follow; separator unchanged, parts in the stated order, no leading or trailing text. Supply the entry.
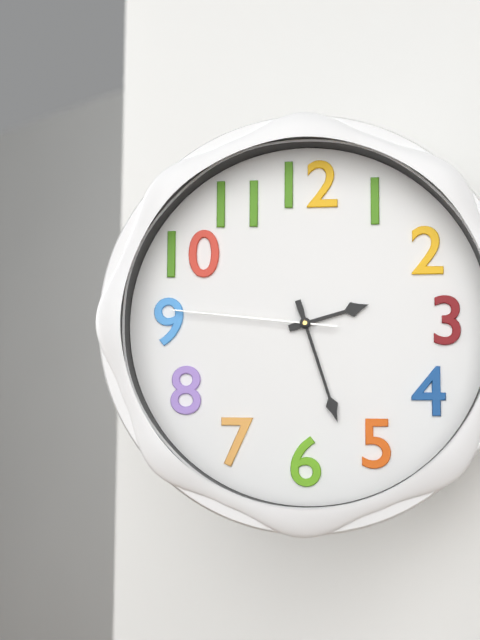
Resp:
2h27m46s
